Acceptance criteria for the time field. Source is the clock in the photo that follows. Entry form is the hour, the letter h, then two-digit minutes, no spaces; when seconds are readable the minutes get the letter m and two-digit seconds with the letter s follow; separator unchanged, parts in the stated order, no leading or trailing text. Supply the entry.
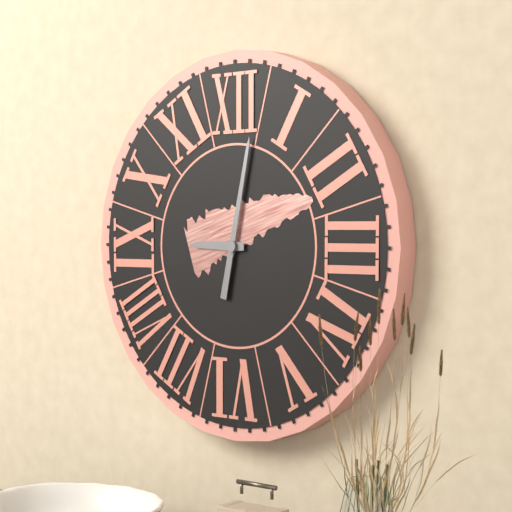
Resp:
9h02
